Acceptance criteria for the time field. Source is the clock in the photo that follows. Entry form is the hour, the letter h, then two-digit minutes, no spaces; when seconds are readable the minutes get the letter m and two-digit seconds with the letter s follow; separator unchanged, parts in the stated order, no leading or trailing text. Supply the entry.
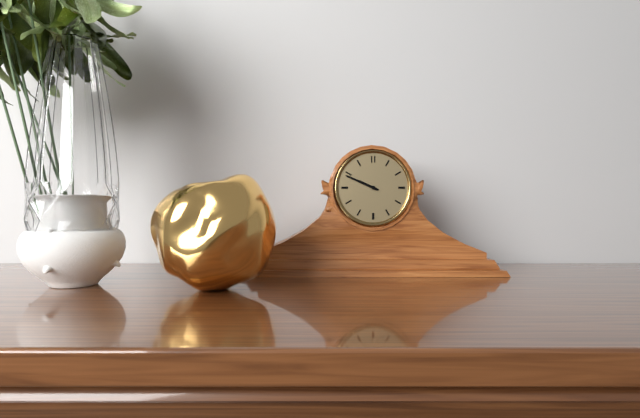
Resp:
9h49
